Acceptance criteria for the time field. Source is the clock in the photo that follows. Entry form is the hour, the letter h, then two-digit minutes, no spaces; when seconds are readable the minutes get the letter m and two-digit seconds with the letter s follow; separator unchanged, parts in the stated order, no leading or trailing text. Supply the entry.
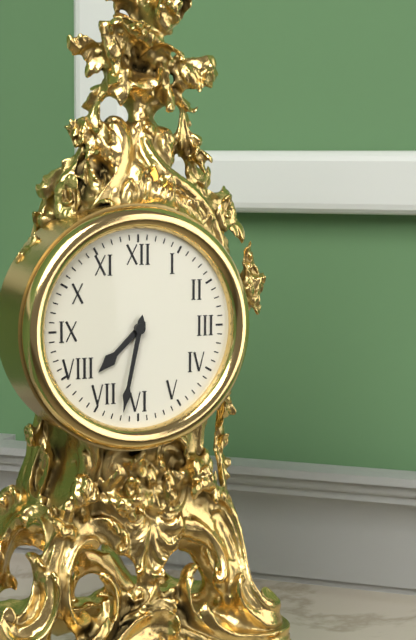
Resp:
7h32
